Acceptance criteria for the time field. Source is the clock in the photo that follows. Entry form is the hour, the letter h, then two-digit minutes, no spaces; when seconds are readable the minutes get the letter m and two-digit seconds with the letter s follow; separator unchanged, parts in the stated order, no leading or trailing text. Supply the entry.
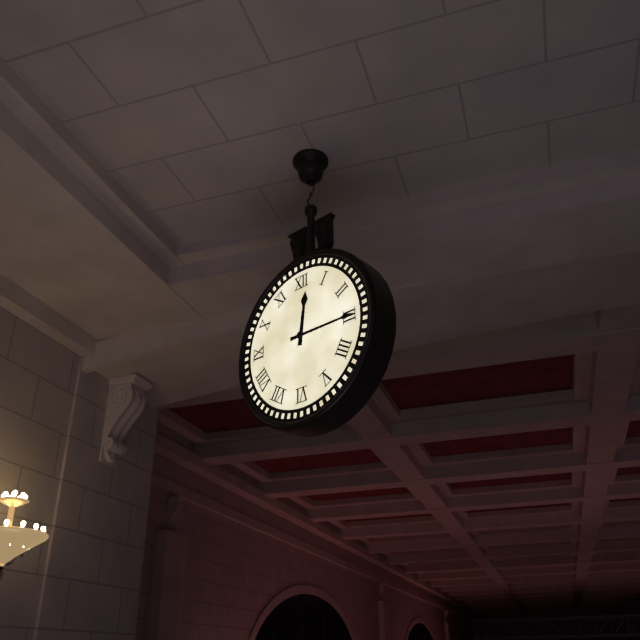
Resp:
12h15
